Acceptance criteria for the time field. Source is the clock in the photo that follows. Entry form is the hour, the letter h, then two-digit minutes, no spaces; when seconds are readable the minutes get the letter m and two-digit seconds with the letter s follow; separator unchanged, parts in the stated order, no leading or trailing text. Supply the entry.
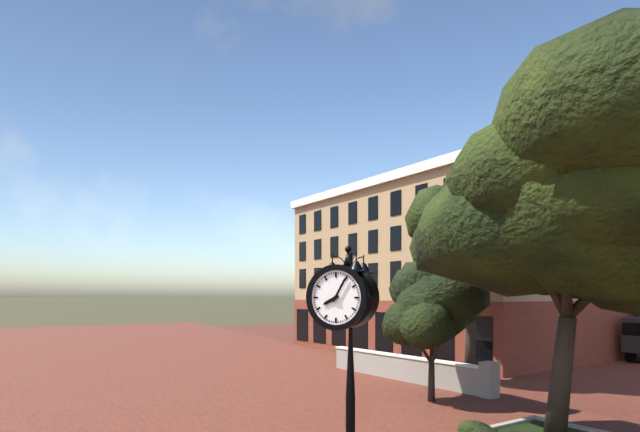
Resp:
8h05
